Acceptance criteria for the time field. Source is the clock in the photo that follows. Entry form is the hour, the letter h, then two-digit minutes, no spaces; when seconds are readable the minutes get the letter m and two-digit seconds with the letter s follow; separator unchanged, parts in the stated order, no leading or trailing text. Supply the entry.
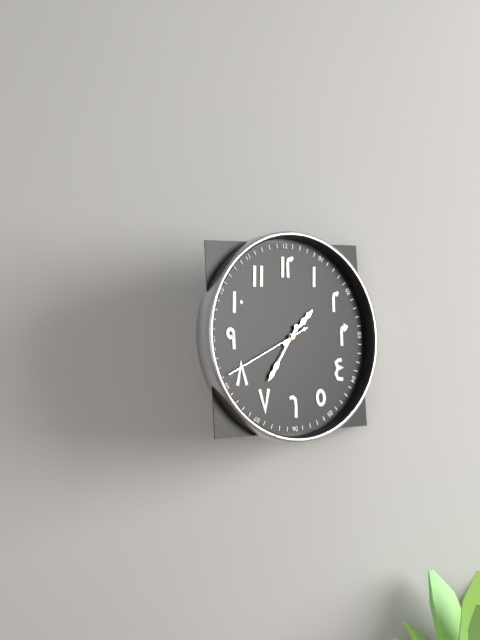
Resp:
1h36m41s
